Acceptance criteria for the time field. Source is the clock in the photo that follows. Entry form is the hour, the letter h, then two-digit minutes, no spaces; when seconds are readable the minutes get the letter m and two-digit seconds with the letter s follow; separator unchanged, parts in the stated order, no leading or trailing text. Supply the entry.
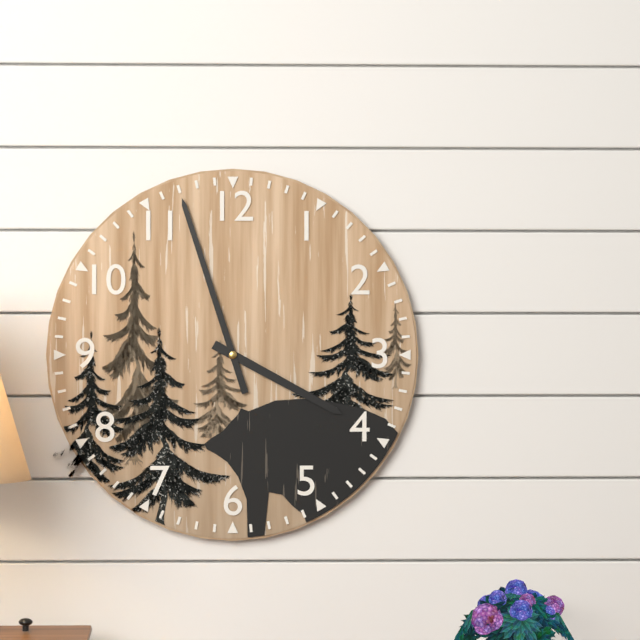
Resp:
3h57
